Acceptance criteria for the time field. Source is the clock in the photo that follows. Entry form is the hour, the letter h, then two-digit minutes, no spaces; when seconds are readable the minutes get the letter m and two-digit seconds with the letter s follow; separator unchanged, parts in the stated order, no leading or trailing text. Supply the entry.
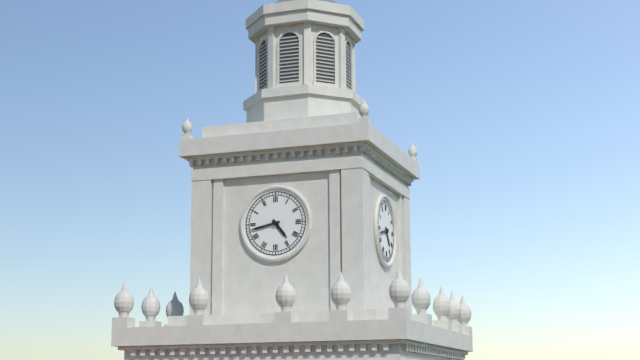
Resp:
4h43
